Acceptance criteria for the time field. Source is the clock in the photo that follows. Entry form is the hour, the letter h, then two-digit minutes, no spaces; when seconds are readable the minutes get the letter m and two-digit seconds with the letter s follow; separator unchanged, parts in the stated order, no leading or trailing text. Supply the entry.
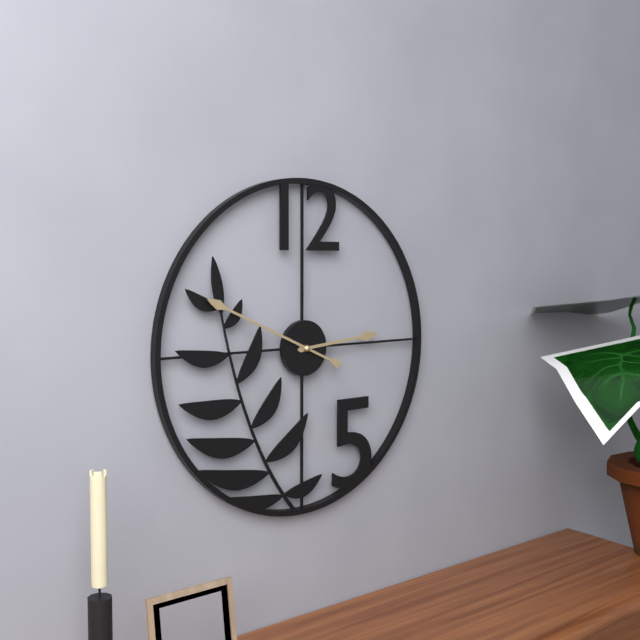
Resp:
2h49
